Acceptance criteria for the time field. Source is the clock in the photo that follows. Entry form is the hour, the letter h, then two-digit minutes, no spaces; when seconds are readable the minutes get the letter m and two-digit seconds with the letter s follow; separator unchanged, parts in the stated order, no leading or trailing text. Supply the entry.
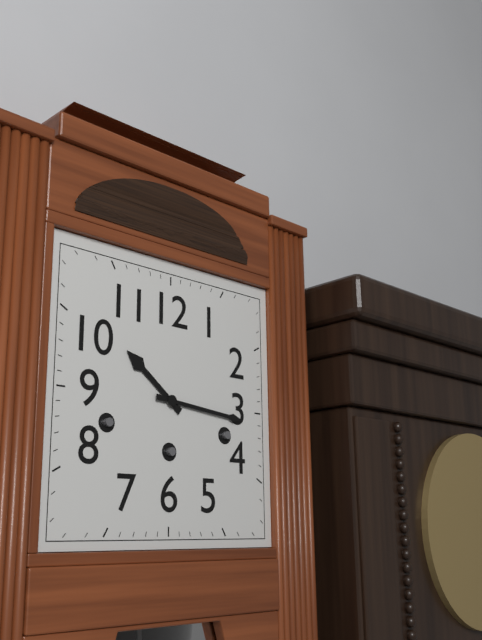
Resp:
10h16
